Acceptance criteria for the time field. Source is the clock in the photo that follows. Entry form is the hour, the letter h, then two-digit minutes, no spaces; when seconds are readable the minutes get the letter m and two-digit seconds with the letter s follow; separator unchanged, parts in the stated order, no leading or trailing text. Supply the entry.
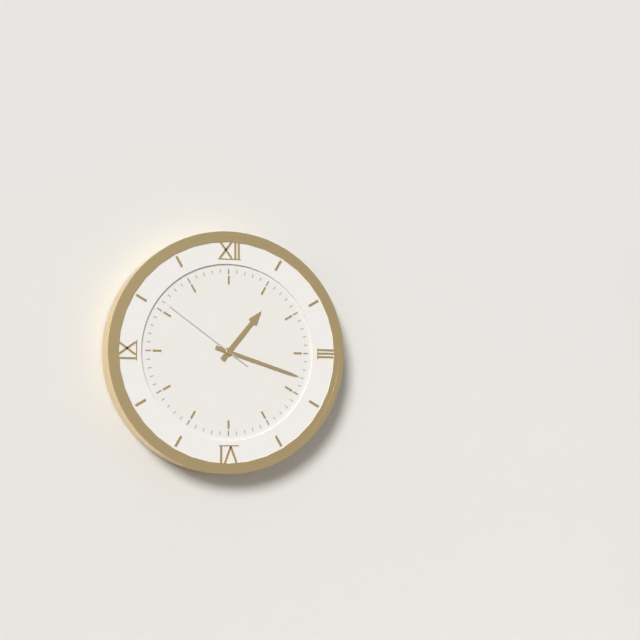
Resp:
1h18m51s
